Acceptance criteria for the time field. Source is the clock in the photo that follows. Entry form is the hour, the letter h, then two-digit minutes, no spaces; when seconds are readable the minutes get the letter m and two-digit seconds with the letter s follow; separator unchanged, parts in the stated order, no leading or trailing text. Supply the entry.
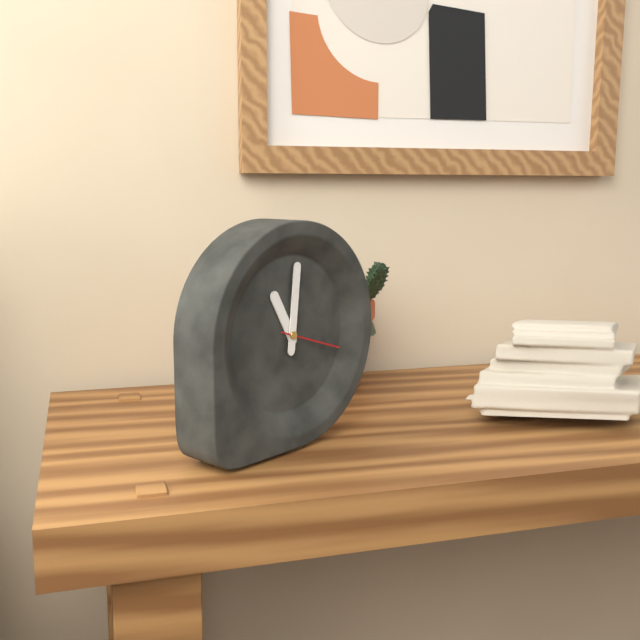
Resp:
11h01
